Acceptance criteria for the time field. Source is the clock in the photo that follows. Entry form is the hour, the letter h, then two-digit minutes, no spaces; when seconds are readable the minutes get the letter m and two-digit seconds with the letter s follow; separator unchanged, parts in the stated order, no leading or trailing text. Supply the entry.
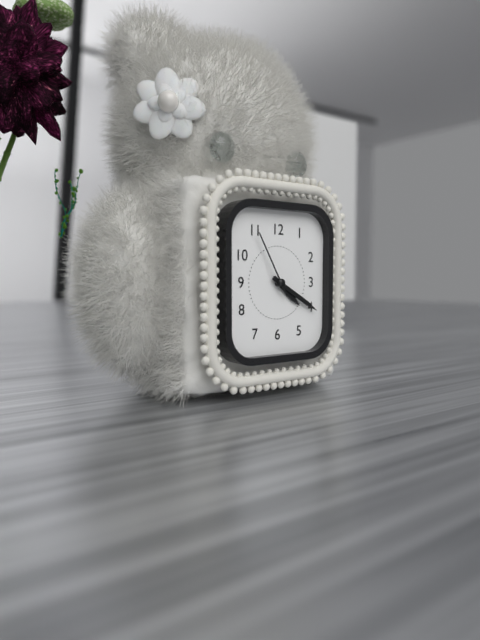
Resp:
4h20m55s
